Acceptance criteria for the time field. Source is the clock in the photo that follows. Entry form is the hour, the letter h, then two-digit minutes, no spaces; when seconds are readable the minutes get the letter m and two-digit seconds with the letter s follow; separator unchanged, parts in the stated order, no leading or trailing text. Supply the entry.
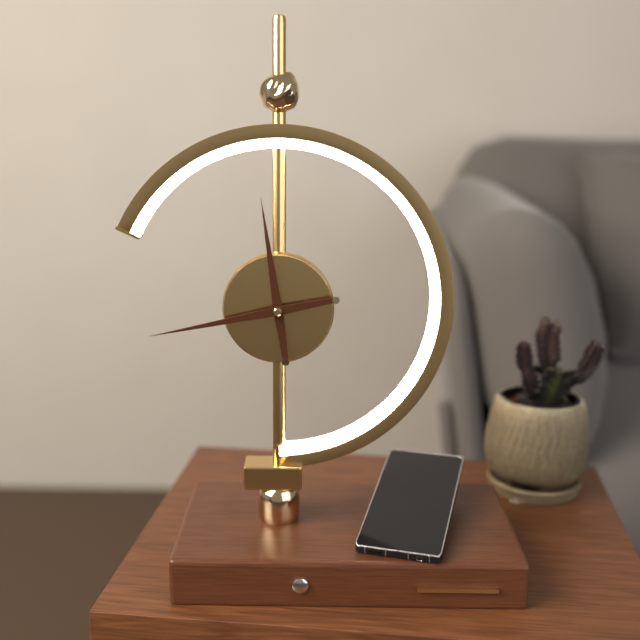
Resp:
11h43
